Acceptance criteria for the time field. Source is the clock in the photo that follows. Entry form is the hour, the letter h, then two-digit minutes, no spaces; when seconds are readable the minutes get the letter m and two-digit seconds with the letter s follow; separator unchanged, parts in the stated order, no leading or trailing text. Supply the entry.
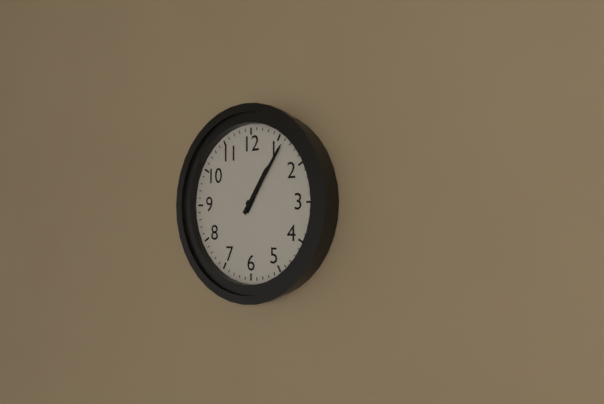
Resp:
1h06
